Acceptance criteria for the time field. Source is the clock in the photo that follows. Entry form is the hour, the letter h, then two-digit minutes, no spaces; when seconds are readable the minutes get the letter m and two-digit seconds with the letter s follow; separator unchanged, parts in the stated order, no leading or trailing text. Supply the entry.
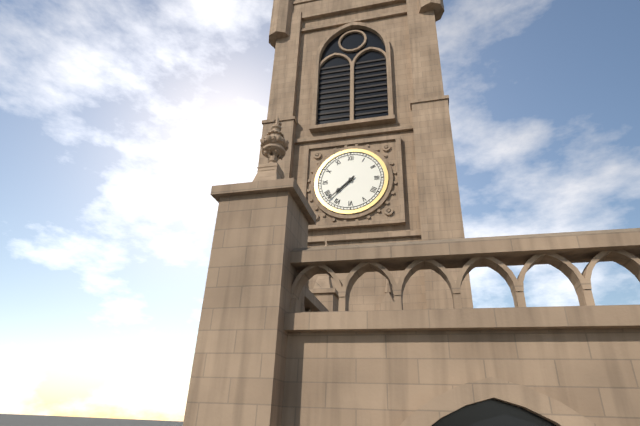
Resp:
7h38
